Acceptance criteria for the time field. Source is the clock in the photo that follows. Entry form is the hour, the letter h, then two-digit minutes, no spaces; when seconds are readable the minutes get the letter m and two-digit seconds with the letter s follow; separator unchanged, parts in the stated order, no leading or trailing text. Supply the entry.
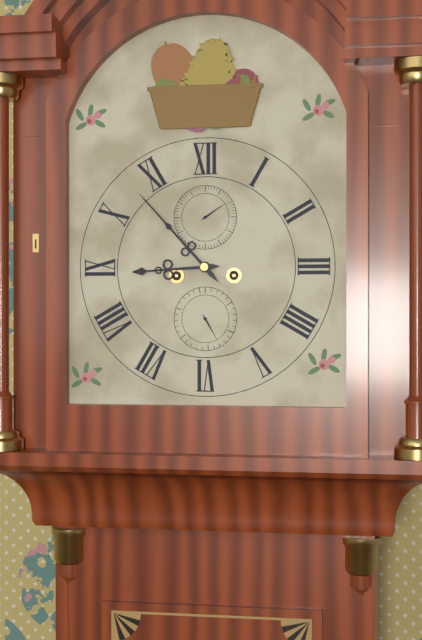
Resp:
8h53
